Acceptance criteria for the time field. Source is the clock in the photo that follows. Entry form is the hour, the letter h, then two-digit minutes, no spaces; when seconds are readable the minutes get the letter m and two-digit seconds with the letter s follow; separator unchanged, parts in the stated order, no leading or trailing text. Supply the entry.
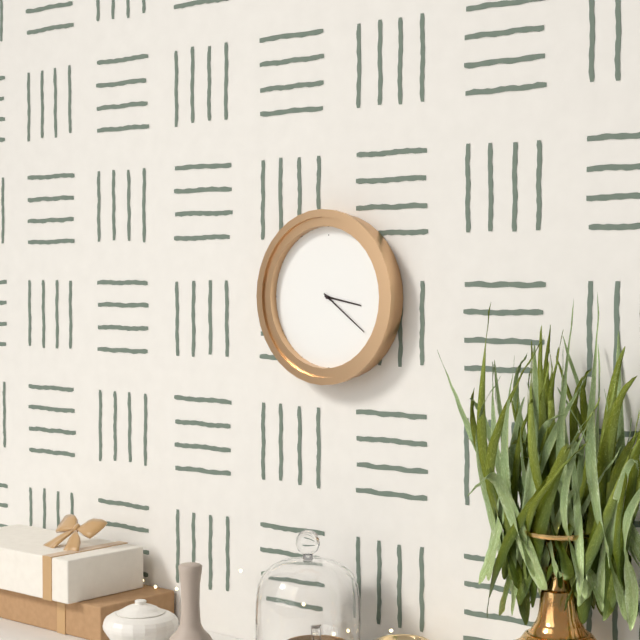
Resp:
3h21
